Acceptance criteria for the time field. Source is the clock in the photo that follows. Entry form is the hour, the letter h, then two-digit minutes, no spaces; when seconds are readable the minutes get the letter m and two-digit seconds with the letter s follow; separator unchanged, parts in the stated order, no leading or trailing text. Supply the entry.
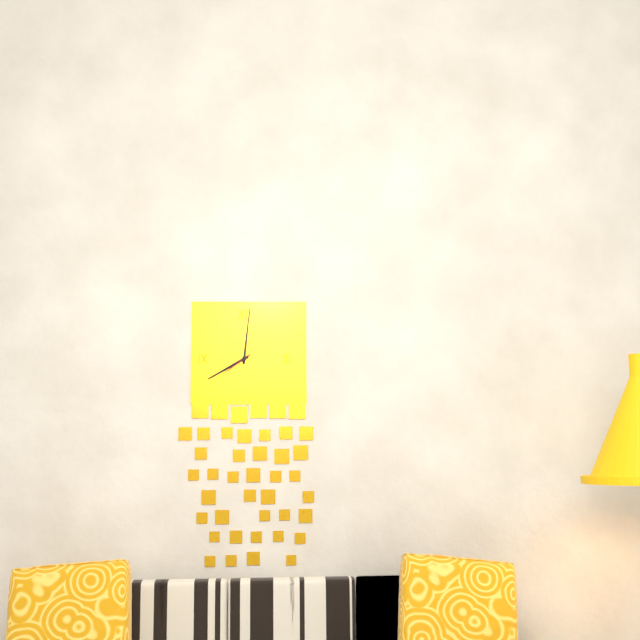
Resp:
8h01
